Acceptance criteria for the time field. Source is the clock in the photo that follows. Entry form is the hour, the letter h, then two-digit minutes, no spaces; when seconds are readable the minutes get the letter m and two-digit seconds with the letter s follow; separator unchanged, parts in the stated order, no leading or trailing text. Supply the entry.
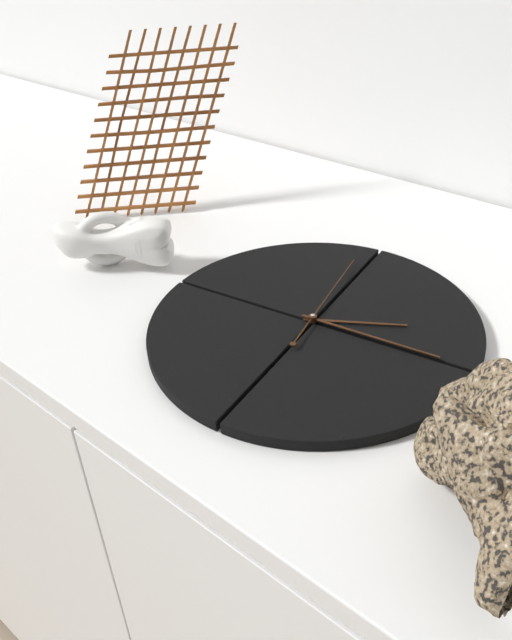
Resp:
2h15m59s
